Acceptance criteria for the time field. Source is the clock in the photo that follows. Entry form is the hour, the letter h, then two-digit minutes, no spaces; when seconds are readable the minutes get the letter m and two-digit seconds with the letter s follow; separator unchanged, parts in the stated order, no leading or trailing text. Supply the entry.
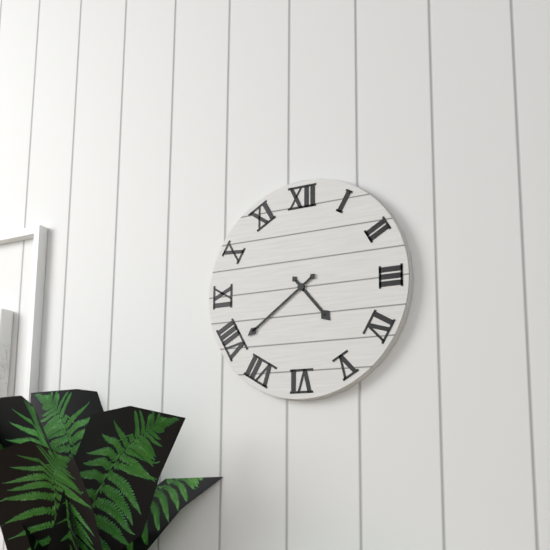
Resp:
4h39
